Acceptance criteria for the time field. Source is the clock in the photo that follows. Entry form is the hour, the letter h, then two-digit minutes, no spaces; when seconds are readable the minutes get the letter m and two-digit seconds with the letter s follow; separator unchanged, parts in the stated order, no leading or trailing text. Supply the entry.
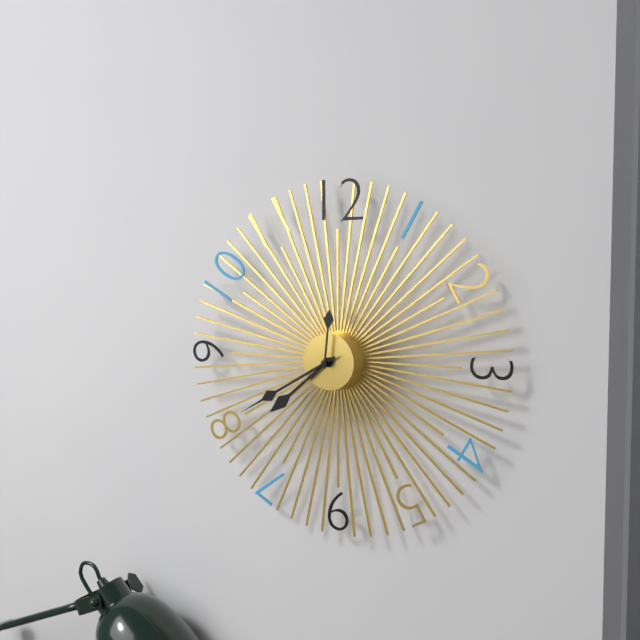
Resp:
7h40m01s
